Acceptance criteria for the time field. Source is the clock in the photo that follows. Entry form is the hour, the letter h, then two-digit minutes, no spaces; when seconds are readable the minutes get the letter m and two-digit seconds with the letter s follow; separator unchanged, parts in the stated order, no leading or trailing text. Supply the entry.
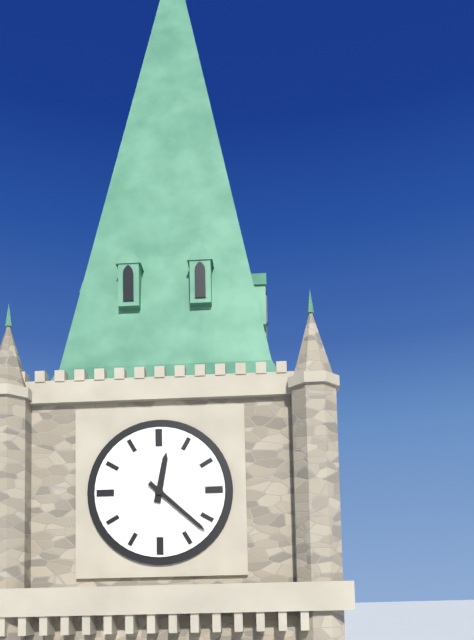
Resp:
12h22
